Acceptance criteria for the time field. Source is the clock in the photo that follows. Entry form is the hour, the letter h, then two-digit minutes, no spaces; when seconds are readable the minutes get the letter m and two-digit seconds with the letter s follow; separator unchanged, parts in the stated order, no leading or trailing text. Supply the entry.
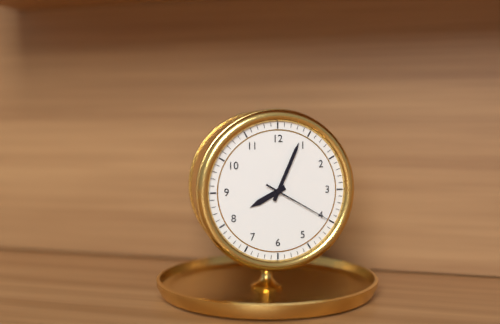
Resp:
8h04m20s
